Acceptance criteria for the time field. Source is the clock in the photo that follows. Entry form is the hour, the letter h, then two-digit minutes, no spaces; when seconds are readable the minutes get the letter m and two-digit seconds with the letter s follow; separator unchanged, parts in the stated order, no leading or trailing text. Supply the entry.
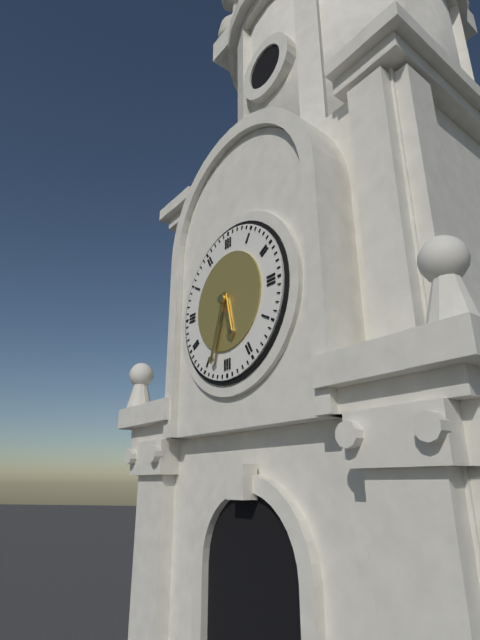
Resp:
5h33
